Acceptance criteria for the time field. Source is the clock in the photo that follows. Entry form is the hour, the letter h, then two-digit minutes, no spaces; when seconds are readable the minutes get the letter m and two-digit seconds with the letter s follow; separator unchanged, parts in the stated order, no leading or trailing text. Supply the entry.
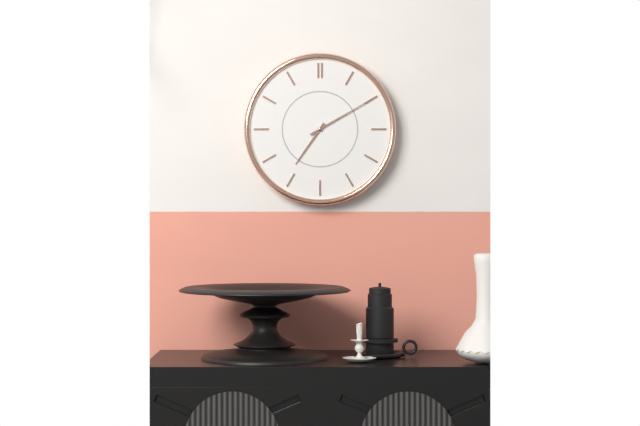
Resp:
7h10
